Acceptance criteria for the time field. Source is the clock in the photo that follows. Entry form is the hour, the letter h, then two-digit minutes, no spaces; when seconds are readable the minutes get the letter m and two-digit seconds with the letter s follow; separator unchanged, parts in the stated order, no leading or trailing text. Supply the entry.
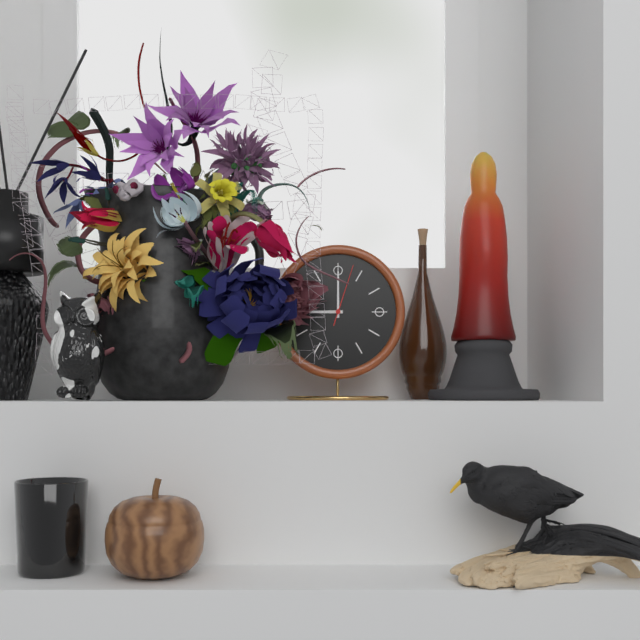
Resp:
9h00m03s
